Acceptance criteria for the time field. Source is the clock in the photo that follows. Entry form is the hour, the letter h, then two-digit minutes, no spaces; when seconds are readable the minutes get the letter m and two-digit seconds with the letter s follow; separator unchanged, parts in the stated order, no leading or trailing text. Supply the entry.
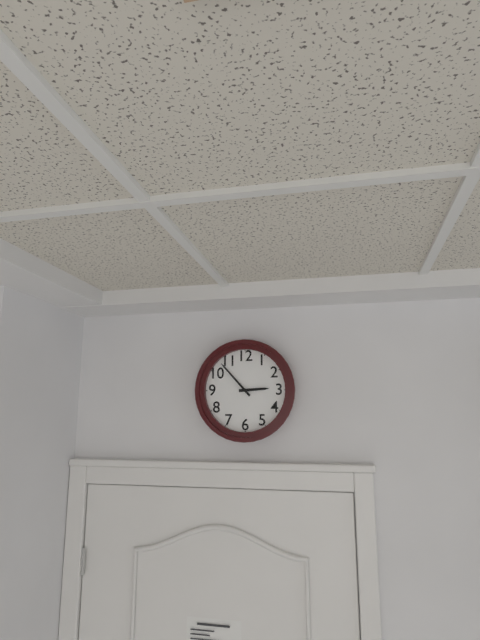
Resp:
2h53
